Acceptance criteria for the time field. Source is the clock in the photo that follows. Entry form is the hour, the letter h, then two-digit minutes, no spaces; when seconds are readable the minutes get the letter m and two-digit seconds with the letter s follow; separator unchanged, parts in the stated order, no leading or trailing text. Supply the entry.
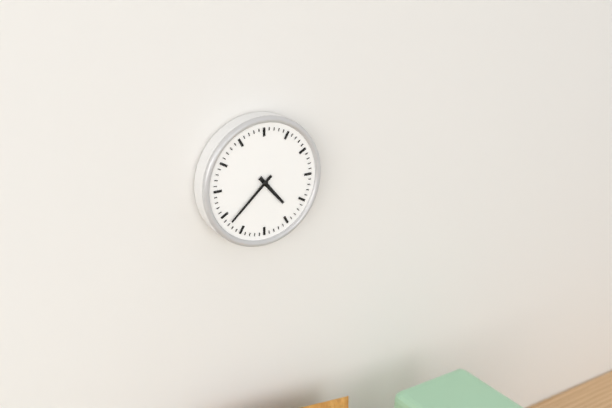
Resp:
4h38
